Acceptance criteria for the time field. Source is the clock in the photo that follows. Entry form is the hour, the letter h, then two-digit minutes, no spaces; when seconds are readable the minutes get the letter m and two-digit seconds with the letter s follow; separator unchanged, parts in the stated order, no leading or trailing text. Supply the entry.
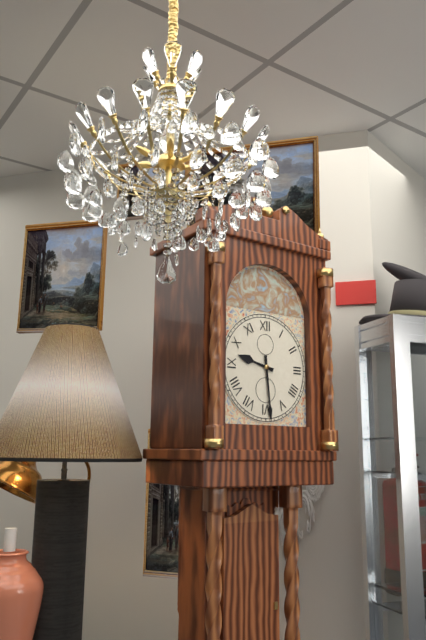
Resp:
9h29
